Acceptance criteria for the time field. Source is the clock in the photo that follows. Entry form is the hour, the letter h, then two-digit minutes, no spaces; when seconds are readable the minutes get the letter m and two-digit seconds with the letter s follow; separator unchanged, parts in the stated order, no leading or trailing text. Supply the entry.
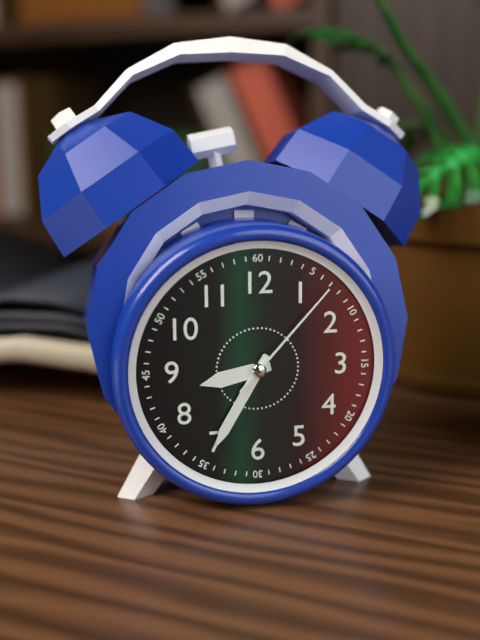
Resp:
8h35m07s
